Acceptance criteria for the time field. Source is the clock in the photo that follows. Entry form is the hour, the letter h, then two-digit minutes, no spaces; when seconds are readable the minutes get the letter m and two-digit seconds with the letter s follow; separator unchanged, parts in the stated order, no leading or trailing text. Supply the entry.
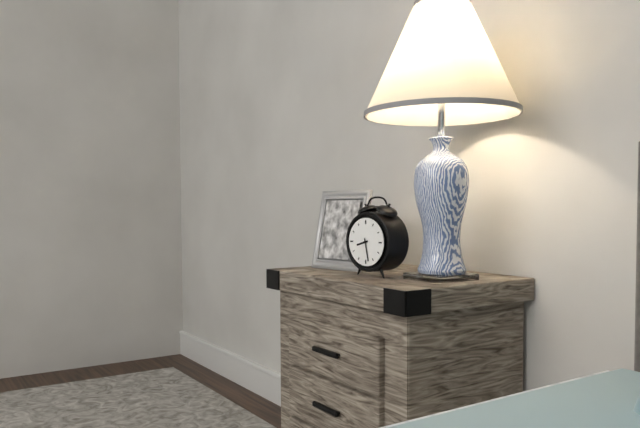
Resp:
8h28
